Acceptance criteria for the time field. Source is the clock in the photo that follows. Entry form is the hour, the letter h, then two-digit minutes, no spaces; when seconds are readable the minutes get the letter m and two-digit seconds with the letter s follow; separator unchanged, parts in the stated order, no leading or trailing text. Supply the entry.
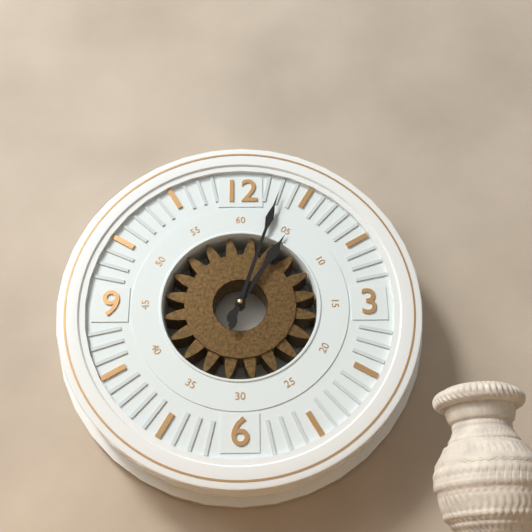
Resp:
1h03
